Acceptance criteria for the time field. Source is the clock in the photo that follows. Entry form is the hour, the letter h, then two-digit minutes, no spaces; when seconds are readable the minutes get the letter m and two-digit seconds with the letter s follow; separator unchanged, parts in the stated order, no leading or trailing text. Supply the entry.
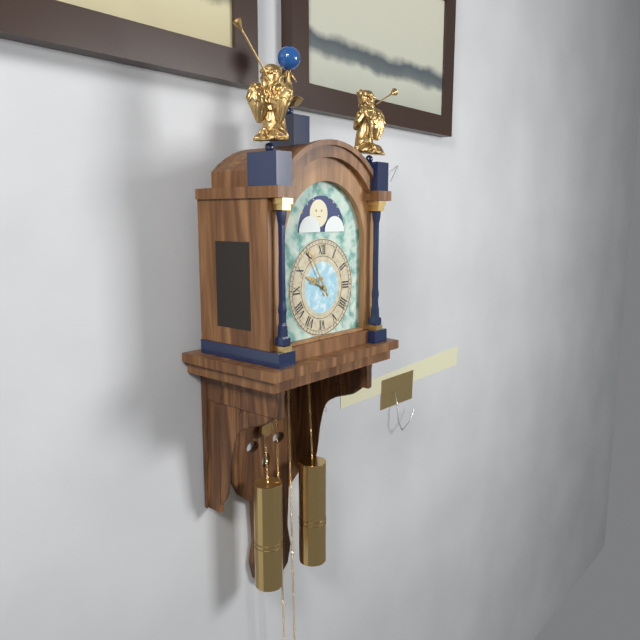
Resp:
9h55
